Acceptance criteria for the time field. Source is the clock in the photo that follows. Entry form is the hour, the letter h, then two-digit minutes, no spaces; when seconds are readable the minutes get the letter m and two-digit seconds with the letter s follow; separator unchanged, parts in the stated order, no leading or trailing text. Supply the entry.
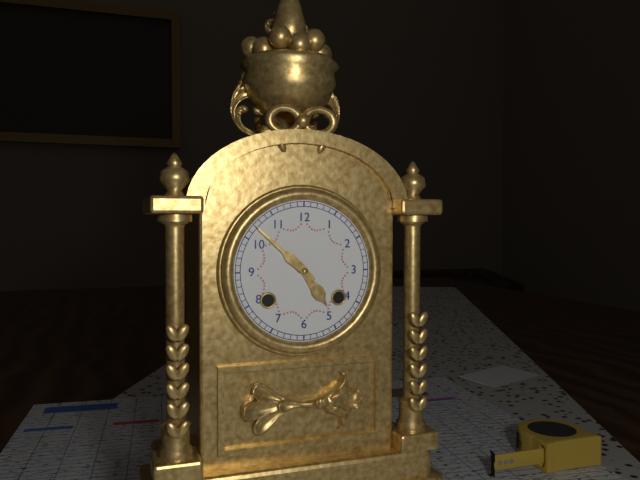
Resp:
4h52
